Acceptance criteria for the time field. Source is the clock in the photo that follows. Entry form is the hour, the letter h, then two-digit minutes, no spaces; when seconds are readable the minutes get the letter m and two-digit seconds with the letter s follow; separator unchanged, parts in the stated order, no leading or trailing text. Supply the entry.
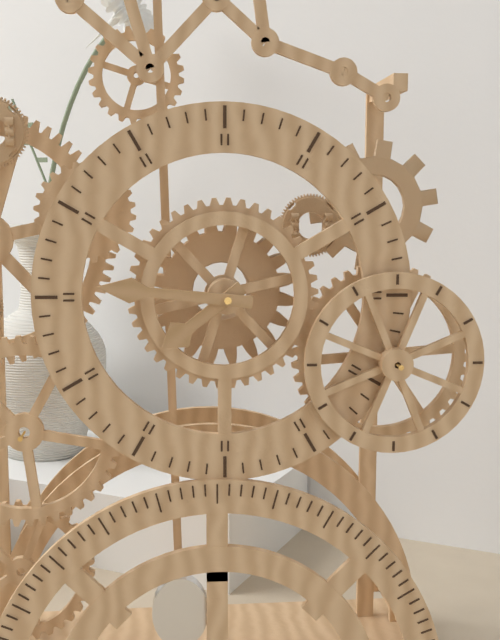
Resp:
7h46
